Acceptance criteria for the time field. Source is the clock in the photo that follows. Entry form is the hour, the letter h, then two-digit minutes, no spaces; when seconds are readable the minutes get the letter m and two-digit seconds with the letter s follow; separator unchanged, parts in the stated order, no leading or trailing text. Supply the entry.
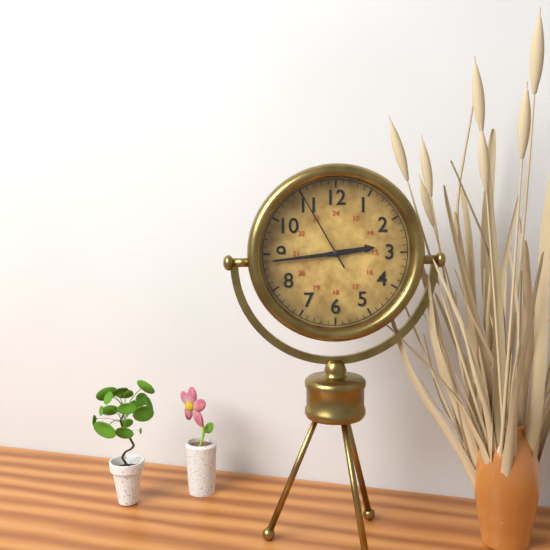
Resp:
2h44m55s
